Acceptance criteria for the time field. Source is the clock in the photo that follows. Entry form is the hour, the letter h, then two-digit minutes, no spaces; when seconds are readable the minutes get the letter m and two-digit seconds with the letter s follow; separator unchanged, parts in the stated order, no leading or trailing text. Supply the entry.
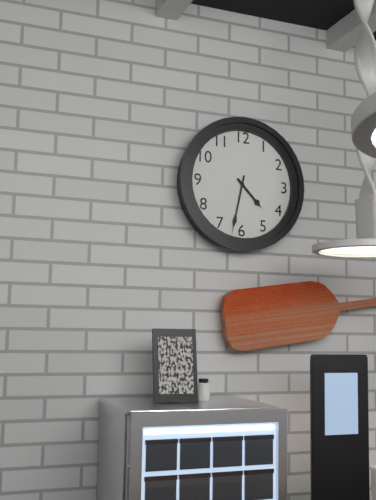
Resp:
4h32
